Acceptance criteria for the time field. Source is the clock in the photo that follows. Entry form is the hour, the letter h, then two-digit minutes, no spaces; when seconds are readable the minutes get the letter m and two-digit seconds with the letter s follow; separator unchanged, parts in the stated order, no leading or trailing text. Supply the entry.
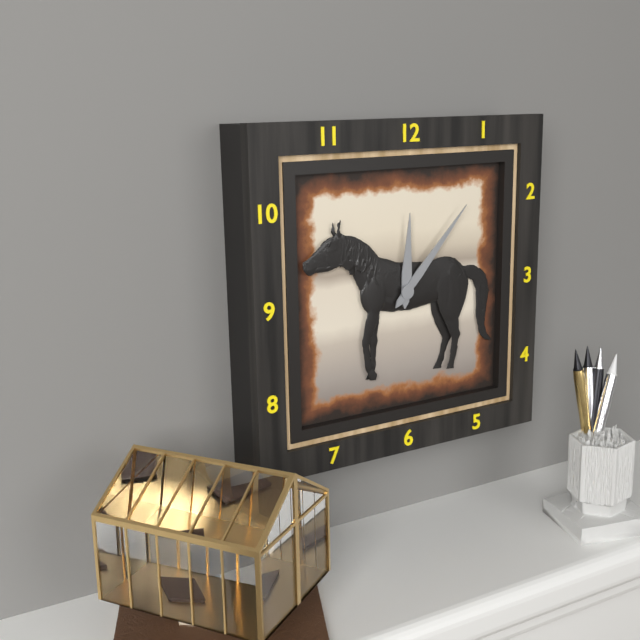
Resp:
12h07
